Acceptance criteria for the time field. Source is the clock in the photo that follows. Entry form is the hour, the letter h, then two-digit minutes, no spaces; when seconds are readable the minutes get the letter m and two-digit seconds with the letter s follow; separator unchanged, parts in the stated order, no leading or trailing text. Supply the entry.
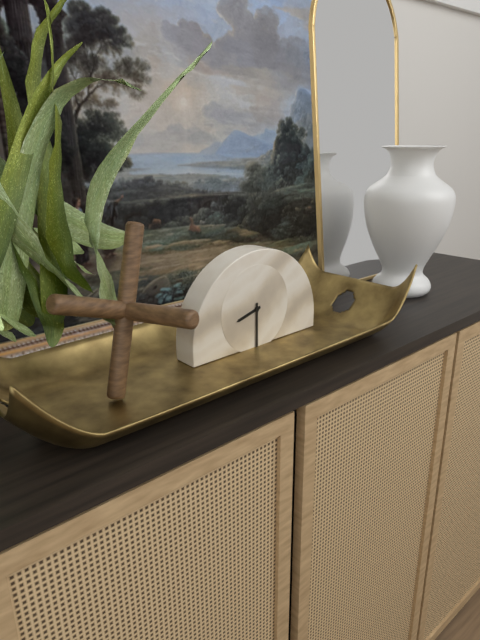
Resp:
8h30
